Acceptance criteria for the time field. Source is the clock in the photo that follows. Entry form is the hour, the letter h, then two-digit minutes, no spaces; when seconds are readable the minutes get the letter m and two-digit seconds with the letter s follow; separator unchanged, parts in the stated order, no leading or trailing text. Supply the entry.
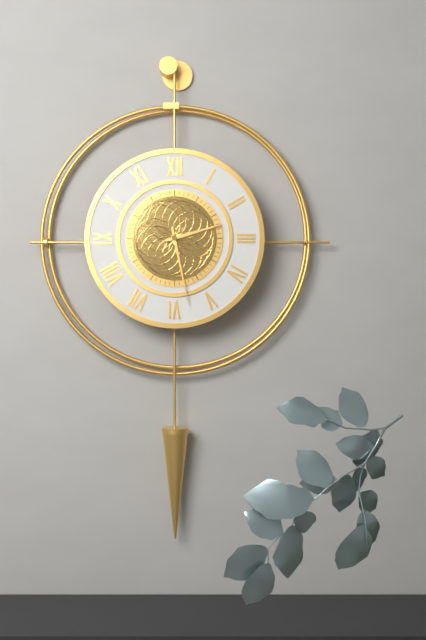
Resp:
2h28
